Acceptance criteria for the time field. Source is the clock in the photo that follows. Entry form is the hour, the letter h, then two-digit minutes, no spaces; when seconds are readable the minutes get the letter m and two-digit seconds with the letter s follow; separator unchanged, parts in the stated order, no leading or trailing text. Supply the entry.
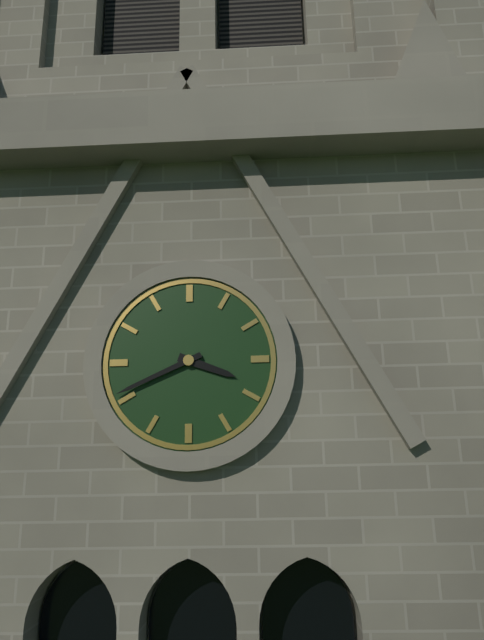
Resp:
3h41
